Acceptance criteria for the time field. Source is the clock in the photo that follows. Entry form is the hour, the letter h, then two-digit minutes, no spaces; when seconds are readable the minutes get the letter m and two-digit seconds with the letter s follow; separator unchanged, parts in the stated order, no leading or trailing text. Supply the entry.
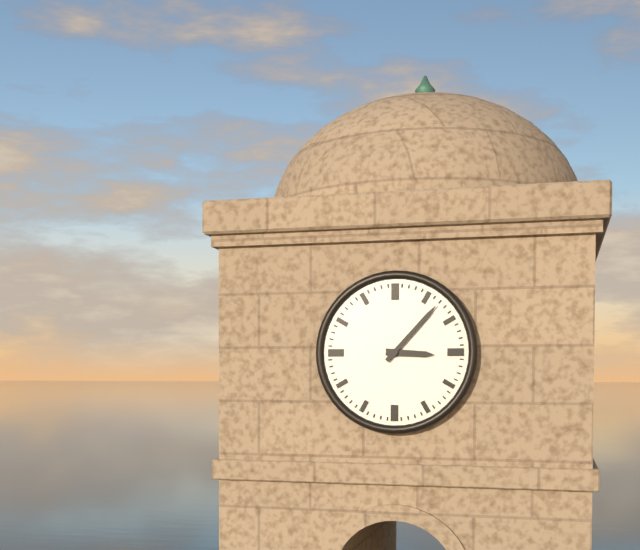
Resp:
3h07
